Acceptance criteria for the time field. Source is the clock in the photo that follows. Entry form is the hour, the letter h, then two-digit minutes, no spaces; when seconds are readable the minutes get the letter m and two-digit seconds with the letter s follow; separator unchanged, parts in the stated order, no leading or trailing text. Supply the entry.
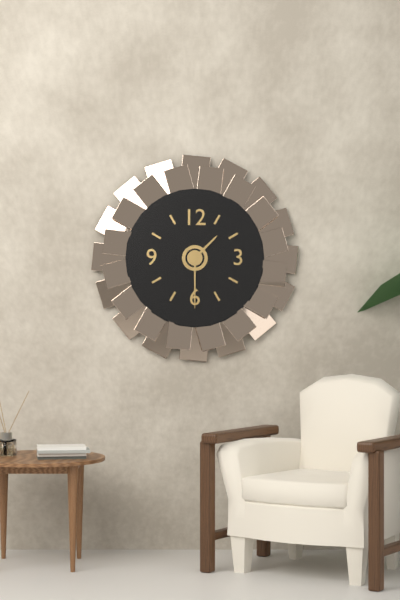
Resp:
1h30
